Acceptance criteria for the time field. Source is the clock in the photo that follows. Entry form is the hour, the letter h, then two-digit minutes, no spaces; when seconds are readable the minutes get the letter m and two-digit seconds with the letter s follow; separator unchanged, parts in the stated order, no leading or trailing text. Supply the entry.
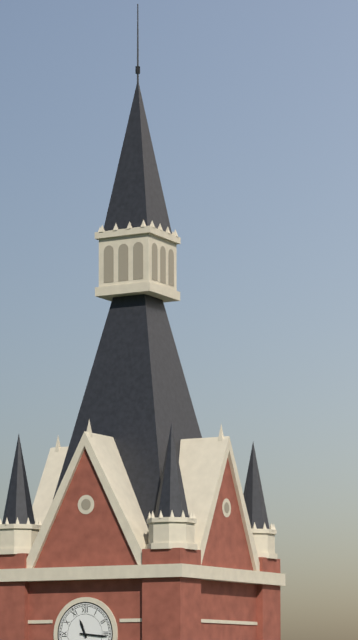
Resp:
11h16
